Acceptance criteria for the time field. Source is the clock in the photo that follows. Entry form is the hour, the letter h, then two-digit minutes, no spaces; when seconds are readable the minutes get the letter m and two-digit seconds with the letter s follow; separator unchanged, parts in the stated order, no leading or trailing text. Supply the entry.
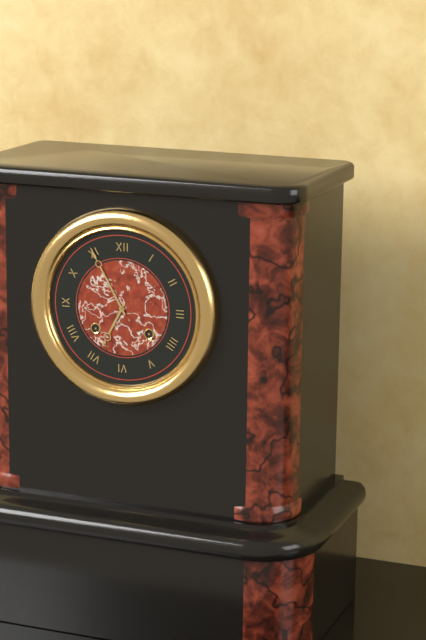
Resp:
6h55
